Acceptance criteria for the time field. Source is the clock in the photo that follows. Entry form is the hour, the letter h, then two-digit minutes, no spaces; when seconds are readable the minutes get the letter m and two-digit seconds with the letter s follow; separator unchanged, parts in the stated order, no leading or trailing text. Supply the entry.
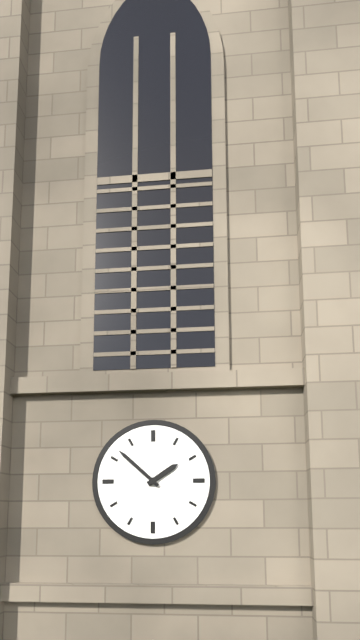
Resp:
1h52
